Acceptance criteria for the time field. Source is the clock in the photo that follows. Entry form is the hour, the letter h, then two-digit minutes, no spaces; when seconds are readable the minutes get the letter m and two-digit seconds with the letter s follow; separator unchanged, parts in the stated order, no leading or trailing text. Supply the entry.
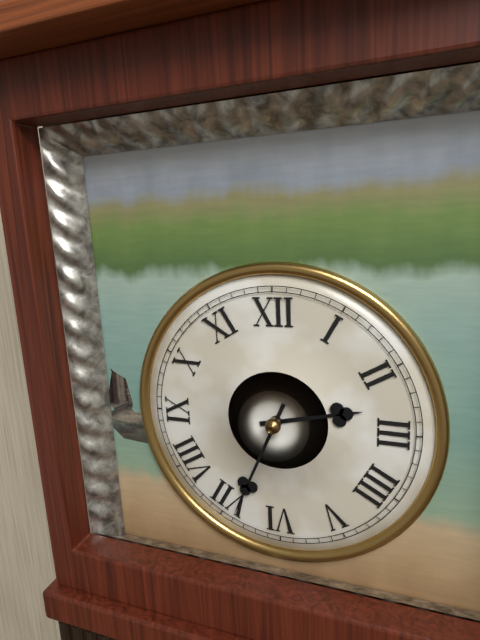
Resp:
2h34
